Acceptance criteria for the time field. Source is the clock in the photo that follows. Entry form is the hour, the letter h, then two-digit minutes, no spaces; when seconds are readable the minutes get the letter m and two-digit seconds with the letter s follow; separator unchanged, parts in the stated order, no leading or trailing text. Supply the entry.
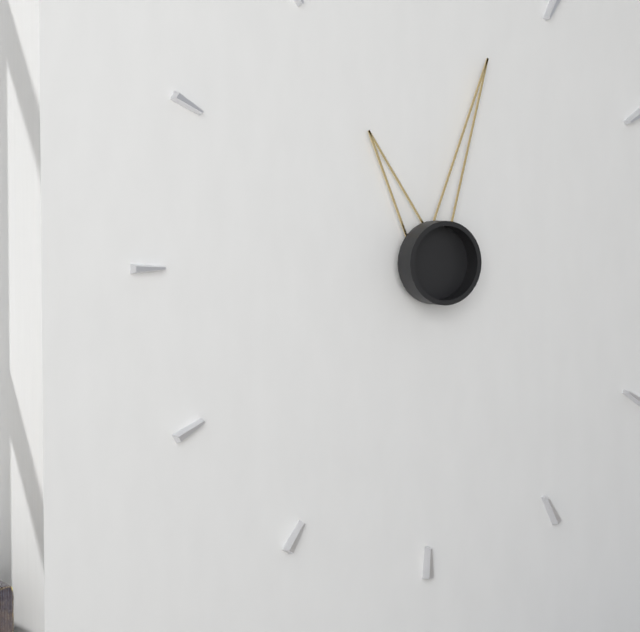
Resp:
11h03
